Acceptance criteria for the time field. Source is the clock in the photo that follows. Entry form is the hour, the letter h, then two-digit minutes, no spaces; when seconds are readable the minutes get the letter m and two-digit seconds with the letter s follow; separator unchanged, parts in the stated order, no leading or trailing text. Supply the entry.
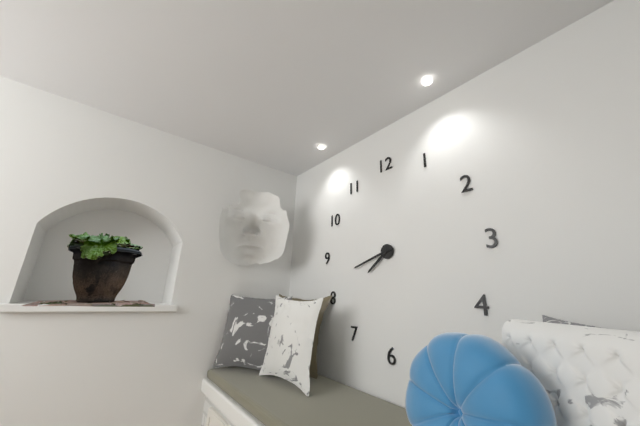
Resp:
7h42
